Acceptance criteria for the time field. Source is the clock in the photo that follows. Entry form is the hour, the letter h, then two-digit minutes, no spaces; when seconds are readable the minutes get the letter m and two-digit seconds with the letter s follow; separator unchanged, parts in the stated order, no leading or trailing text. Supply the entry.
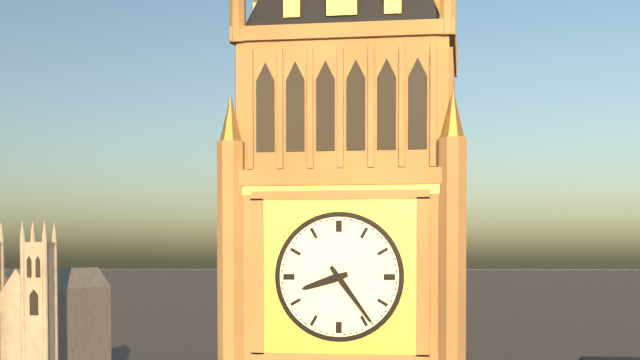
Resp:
8h24
